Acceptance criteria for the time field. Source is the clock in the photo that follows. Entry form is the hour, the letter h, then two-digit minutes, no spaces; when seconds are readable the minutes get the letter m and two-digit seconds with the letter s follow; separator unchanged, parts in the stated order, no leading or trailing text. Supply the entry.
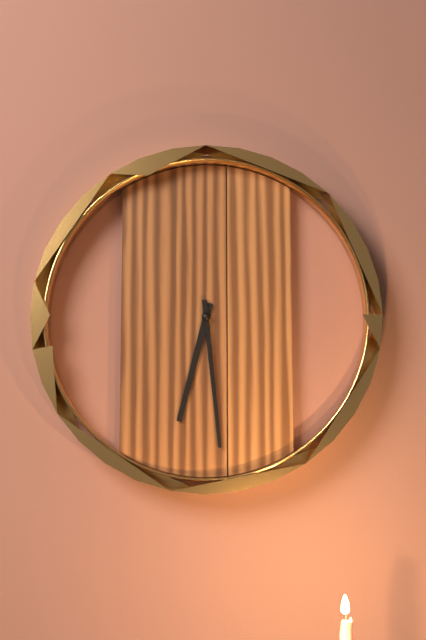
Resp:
6h29
